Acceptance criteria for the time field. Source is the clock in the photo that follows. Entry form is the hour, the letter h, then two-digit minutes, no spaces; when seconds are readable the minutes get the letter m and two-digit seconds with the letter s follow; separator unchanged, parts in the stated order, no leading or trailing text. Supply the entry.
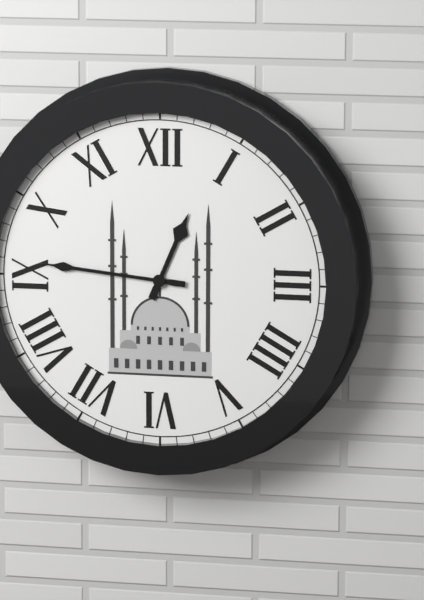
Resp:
12h46
